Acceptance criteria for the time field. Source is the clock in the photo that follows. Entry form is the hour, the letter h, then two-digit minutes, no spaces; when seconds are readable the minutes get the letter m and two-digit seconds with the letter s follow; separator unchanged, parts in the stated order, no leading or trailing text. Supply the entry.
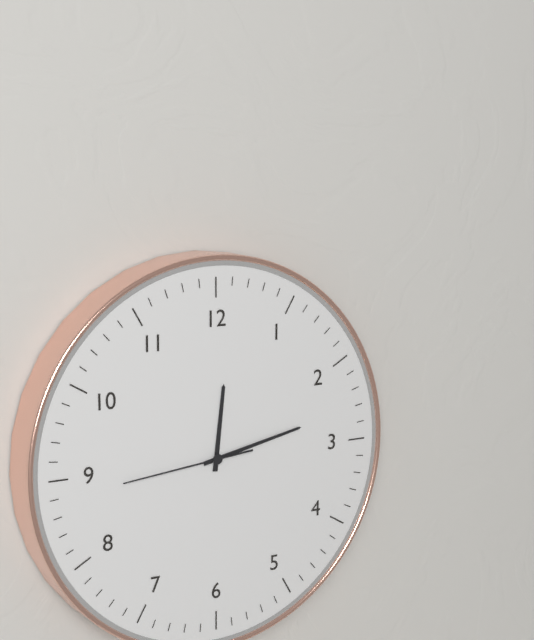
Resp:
12h13m44s
